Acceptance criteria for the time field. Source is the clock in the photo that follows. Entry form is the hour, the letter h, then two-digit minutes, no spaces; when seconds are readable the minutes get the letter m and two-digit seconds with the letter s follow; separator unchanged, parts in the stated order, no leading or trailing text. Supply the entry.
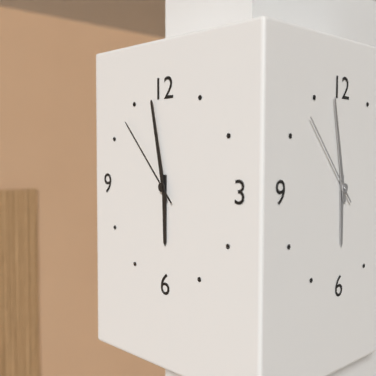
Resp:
5h58m53s
